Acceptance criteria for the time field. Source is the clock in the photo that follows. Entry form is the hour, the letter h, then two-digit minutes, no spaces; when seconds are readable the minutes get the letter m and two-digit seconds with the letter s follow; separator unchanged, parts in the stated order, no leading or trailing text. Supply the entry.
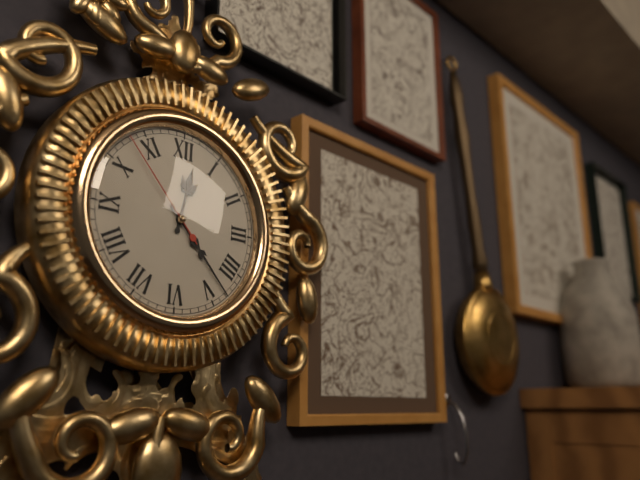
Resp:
12h23m53s
